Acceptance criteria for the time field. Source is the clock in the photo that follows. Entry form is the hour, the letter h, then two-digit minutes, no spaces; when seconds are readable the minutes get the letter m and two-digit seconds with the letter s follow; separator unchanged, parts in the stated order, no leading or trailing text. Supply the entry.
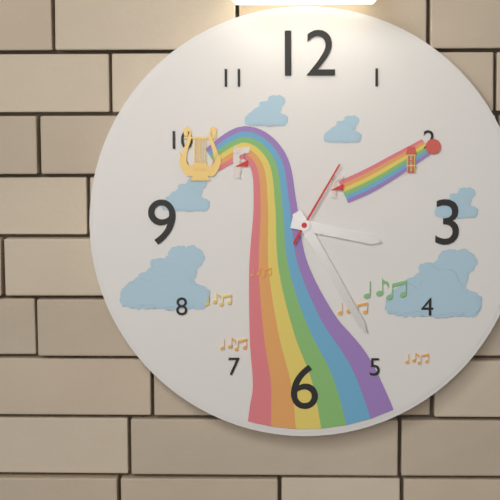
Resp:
3h25m05s
